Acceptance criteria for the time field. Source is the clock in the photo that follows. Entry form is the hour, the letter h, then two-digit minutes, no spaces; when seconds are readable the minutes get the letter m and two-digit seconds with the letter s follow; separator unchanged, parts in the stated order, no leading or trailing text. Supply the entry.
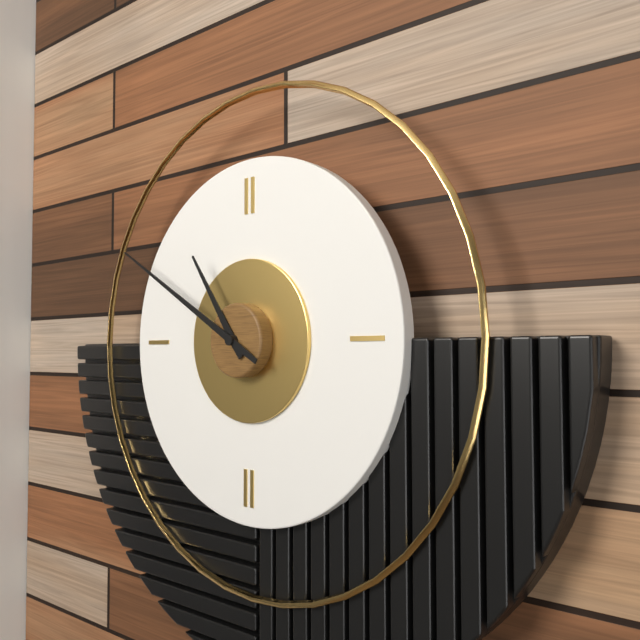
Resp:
10h50
